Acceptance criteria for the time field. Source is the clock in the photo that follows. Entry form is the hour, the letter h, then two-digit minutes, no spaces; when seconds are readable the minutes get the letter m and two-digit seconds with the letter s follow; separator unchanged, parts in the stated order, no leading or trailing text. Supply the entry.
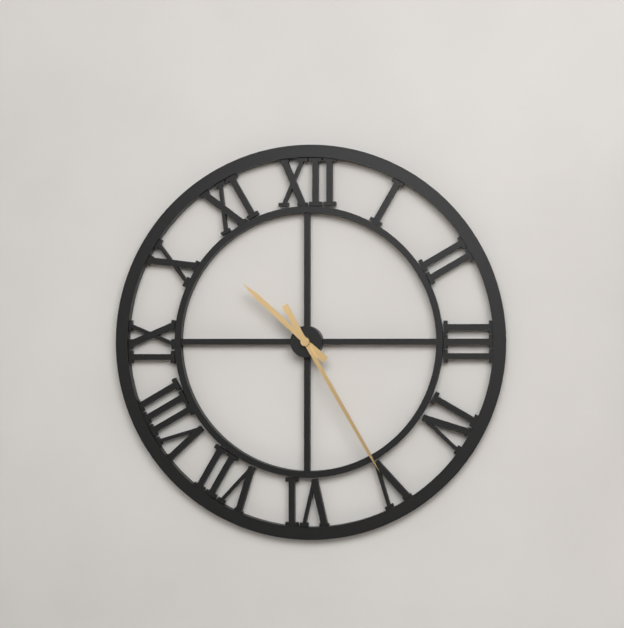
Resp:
10h25
